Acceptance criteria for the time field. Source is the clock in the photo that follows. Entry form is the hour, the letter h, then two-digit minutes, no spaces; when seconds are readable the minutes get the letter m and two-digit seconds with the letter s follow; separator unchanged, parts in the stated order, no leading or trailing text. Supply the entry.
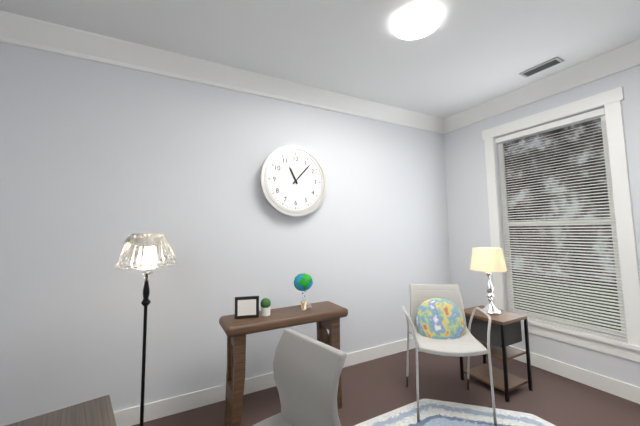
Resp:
11h07
